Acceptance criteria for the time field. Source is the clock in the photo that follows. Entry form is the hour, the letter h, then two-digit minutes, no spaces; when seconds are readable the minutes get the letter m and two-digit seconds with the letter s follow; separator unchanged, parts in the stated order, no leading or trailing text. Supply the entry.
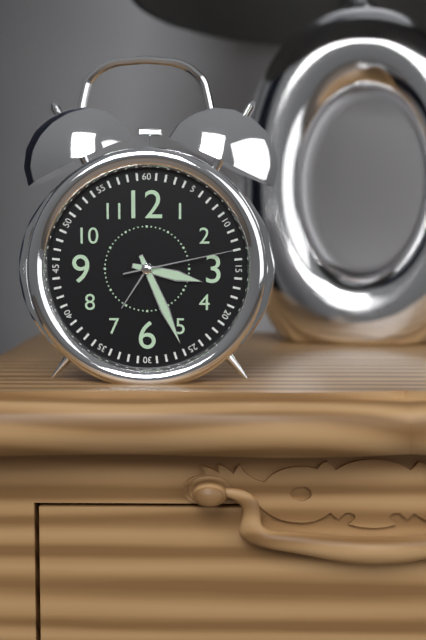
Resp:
3h26m13s
